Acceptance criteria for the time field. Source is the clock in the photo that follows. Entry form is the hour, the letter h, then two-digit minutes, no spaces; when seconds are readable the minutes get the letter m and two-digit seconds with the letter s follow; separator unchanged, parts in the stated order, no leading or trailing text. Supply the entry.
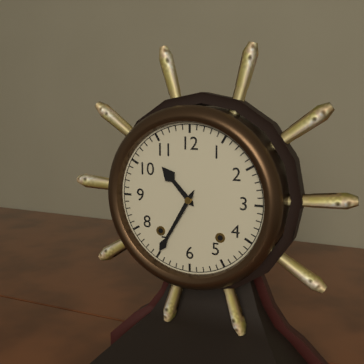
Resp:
10h35
